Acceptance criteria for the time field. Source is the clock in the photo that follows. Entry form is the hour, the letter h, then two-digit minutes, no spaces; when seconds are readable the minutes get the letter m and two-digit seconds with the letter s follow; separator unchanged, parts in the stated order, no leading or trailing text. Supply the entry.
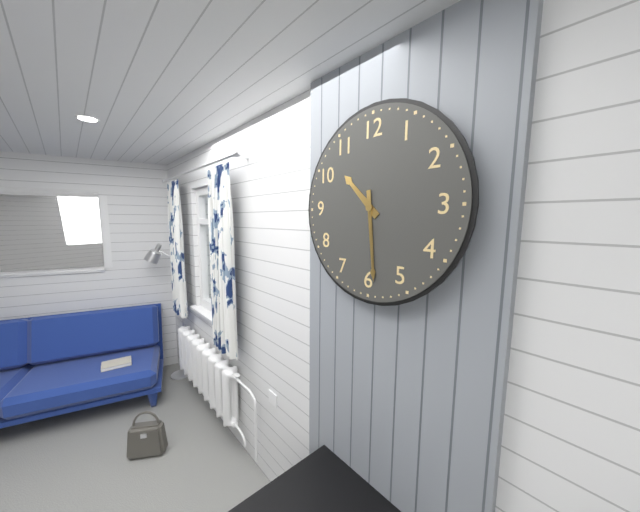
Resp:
10h29
